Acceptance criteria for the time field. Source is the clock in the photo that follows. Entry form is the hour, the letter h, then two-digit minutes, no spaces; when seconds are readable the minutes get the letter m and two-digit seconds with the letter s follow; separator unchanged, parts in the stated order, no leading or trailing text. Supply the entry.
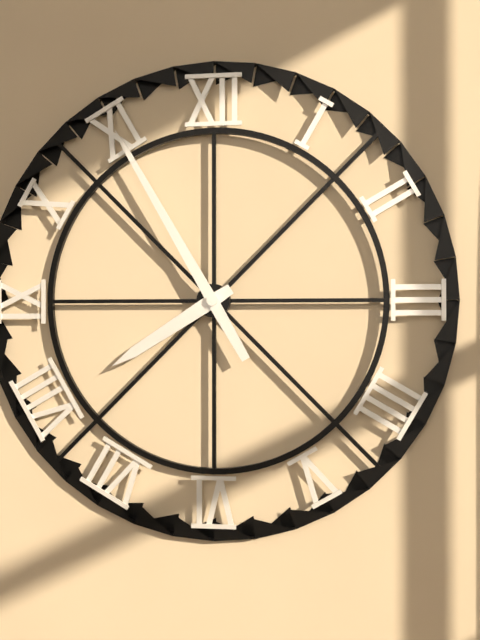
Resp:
7h55
